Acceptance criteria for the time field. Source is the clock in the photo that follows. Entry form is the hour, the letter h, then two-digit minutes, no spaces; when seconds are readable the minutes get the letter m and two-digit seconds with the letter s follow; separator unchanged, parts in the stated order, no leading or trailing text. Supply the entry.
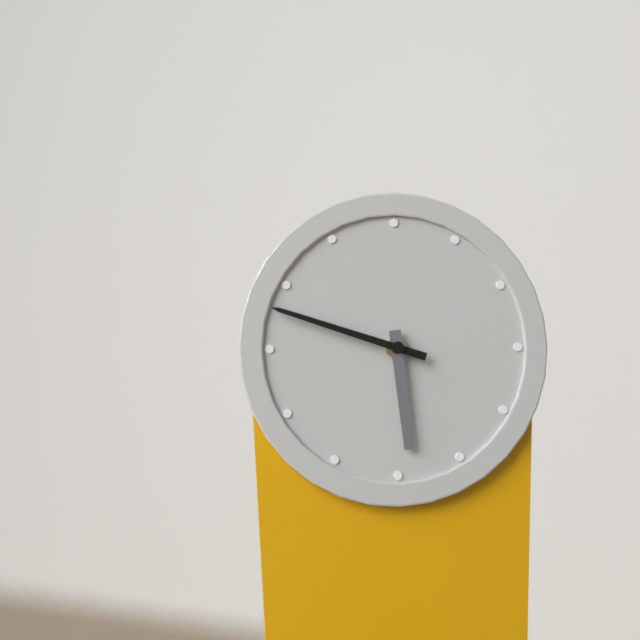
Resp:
5h48
